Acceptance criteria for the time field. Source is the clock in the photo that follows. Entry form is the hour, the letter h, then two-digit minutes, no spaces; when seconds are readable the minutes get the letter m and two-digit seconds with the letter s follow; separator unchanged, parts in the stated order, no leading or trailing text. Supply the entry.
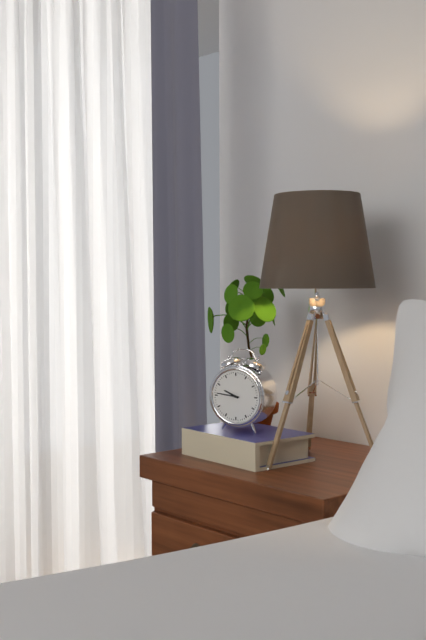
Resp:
9h46
